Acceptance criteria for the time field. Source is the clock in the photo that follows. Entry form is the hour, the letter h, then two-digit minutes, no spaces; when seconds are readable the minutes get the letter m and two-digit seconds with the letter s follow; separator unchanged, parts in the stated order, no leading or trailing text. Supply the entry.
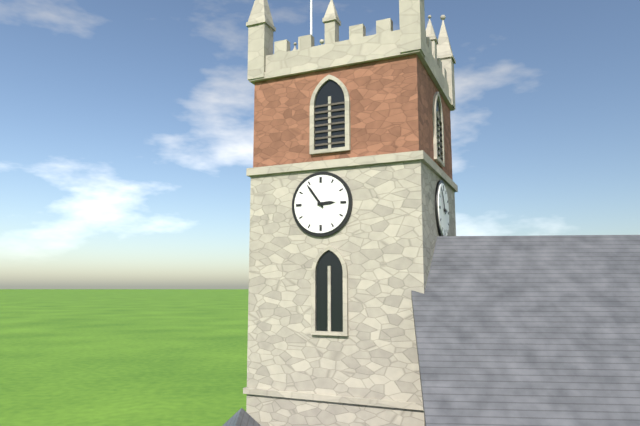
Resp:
2h54
